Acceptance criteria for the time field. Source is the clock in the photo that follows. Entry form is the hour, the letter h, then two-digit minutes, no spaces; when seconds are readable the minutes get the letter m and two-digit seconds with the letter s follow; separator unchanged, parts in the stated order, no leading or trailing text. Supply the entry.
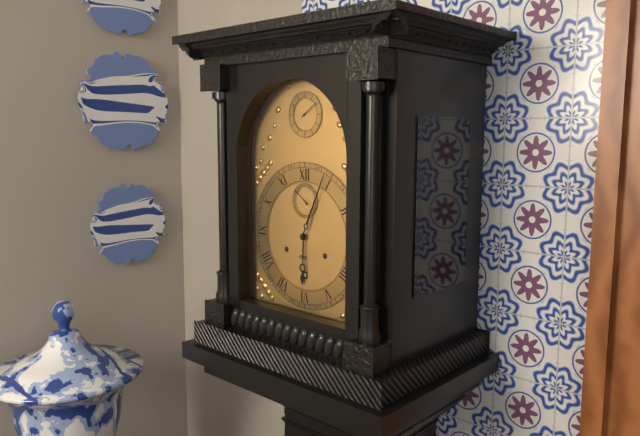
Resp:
6h04
